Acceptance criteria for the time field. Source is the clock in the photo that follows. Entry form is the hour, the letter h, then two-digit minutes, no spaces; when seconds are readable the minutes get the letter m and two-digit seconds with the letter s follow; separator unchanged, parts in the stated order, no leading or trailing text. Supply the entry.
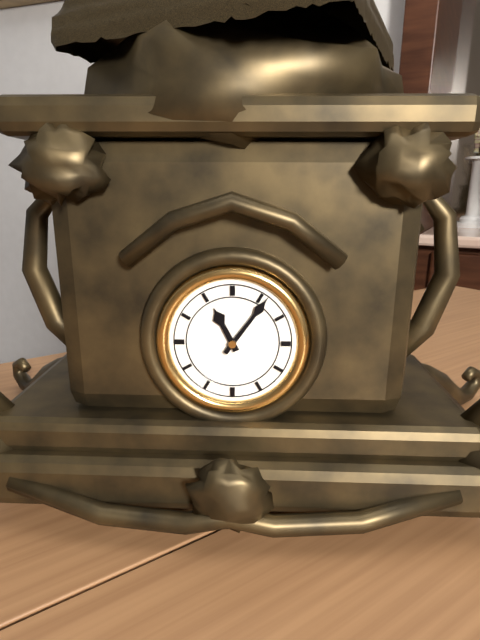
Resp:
11h06
